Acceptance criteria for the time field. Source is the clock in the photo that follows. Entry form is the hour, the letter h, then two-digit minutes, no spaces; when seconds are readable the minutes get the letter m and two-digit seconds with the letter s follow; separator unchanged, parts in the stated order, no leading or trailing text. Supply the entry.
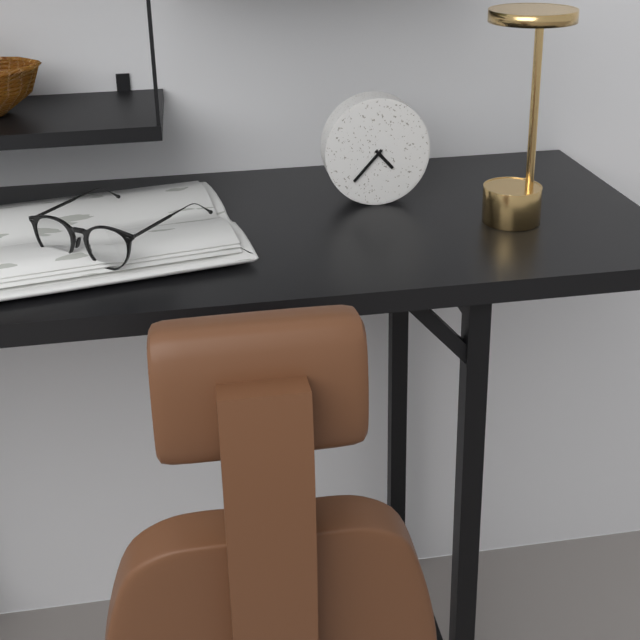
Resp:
4h37
